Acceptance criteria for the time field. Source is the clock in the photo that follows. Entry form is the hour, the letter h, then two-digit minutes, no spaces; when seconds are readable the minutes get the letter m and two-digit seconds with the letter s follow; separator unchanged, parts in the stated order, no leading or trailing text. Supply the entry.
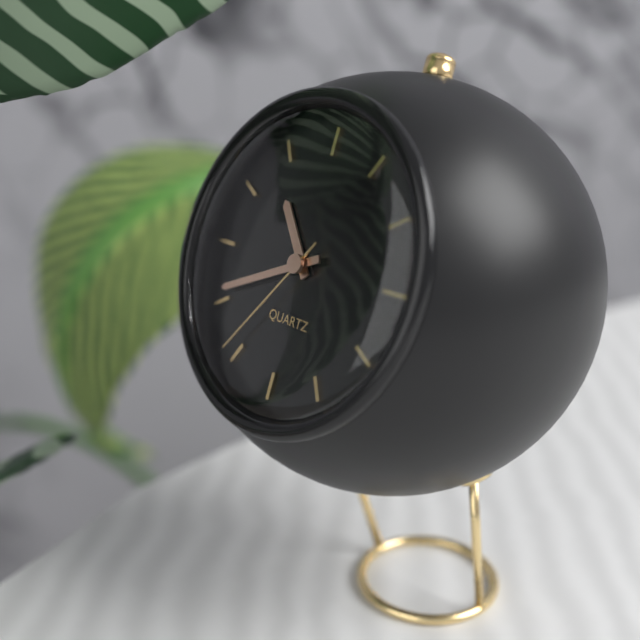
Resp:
10h41m36s
